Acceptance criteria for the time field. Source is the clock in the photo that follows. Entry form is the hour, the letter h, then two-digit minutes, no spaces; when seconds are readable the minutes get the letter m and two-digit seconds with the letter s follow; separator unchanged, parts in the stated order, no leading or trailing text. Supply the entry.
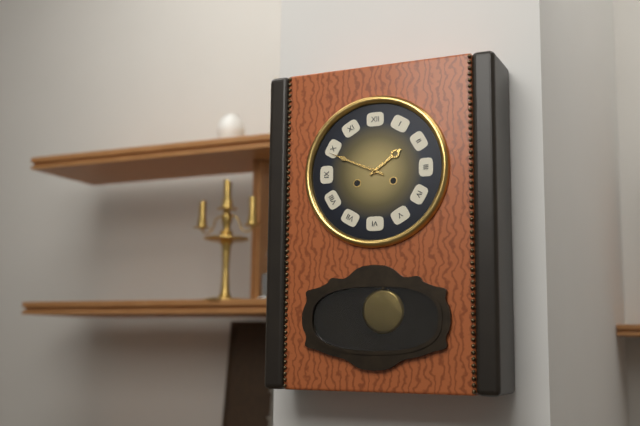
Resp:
1h49
